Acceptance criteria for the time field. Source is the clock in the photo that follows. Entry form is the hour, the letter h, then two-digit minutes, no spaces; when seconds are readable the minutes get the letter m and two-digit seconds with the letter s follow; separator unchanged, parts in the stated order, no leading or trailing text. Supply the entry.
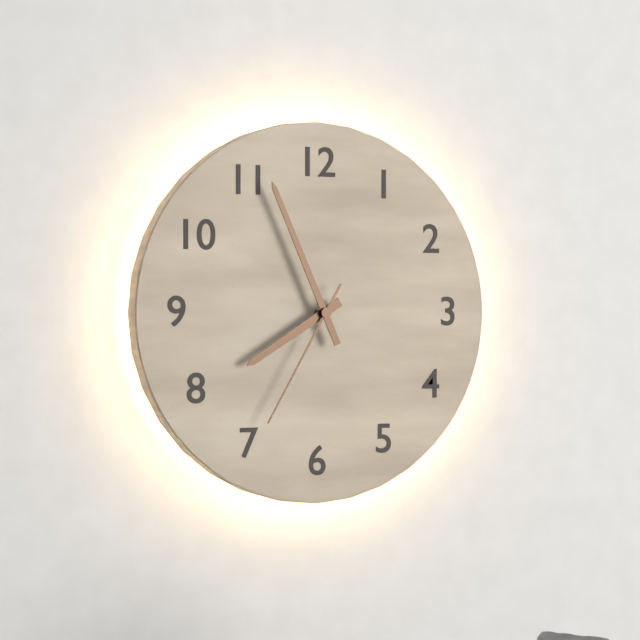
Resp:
7h56m35s
